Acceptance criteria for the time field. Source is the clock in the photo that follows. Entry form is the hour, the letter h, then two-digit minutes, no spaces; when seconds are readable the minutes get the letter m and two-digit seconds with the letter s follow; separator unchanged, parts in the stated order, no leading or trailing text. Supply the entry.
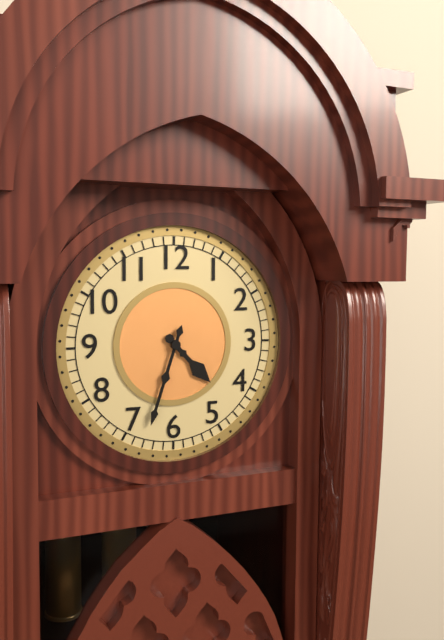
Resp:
4h33
